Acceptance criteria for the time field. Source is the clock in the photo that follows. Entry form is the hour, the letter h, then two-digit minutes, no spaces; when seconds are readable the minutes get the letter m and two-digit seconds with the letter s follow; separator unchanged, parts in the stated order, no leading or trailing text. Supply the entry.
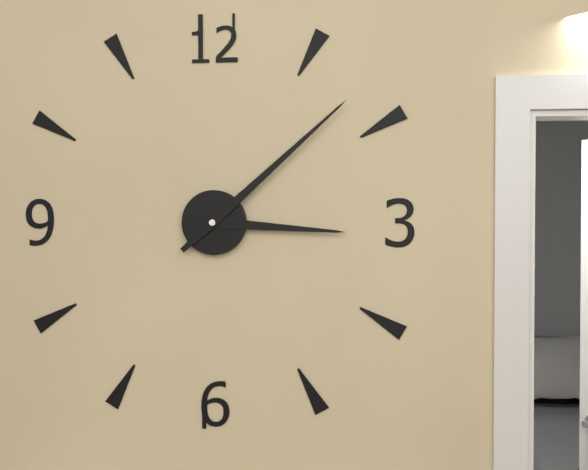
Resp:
3h08
